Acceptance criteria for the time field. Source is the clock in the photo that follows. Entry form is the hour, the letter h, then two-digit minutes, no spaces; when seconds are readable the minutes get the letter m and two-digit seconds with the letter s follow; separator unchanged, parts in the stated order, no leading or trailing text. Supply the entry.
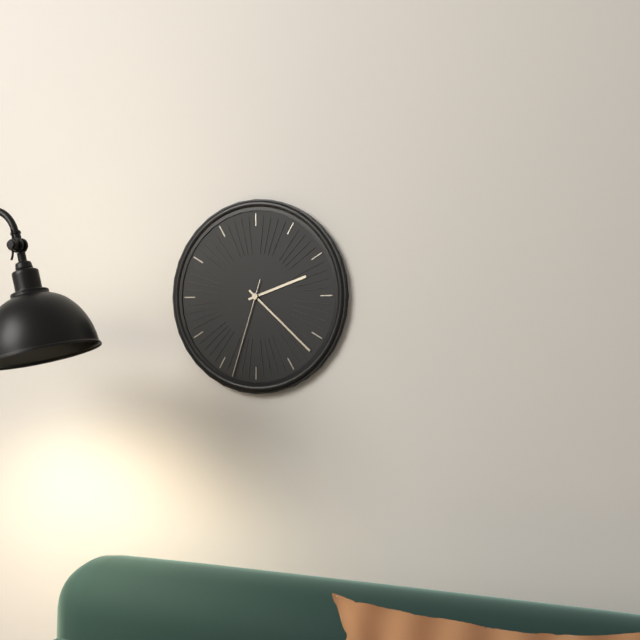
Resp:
2h22m33s
